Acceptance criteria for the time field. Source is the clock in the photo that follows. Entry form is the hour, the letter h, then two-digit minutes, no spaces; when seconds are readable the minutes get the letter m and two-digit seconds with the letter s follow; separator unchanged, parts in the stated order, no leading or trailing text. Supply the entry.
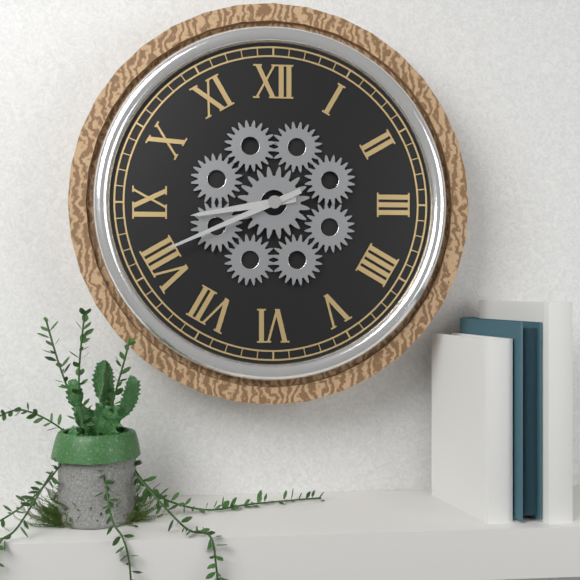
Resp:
8h41
